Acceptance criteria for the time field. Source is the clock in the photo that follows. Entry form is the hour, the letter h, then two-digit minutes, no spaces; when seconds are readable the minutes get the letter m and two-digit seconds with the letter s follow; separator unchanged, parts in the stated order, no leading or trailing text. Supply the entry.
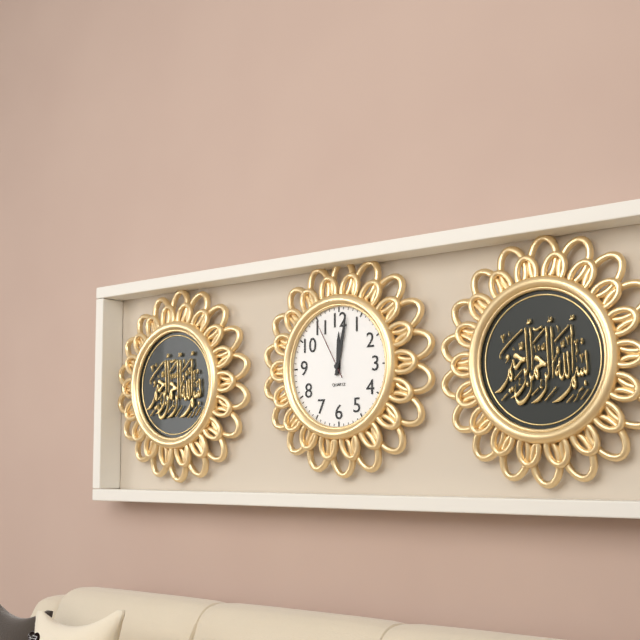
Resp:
12h02m55s
